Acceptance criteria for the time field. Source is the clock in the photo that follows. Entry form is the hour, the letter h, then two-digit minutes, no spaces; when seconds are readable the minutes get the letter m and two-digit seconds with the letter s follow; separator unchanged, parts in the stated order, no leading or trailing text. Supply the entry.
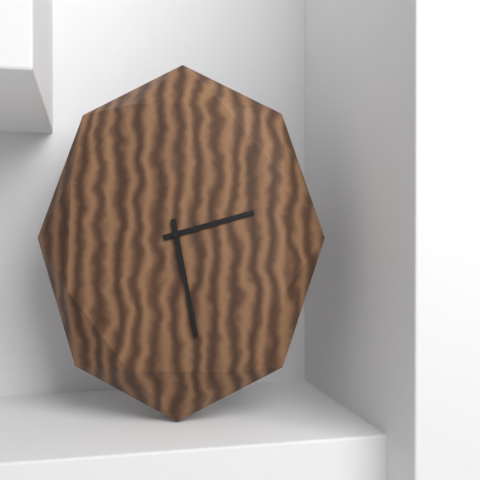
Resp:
2h28
